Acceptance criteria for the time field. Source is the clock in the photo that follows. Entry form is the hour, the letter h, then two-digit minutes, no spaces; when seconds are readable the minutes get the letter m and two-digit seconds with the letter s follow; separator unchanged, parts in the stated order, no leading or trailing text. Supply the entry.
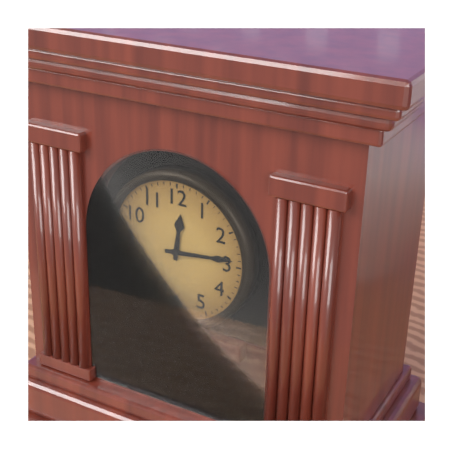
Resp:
12h14
